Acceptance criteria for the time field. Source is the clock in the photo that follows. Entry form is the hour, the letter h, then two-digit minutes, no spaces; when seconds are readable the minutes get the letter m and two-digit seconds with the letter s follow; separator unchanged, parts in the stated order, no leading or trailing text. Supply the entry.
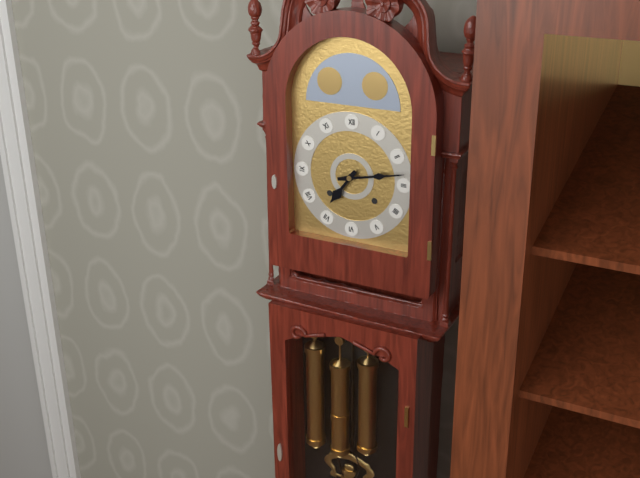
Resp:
7h13
